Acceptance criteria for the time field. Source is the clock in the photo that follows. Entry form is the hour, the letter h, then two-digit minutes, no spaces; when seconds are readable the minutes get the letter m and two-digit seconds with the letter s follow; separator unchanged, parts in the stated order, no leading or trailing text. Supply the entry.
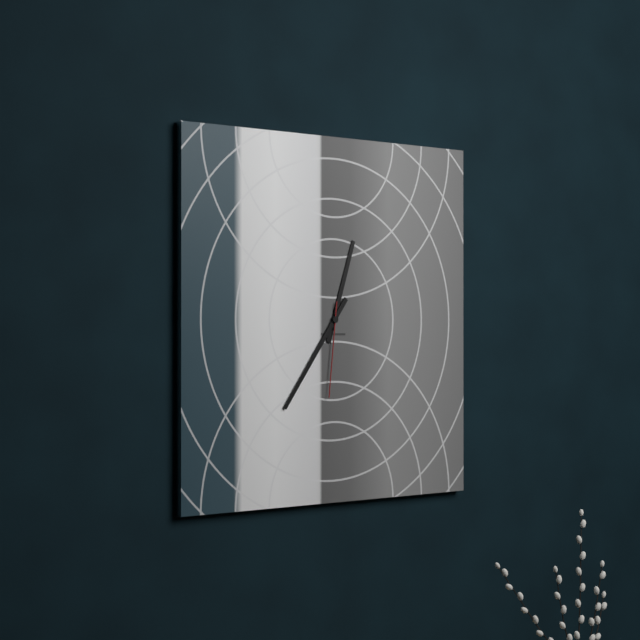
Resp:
12h36m31s
